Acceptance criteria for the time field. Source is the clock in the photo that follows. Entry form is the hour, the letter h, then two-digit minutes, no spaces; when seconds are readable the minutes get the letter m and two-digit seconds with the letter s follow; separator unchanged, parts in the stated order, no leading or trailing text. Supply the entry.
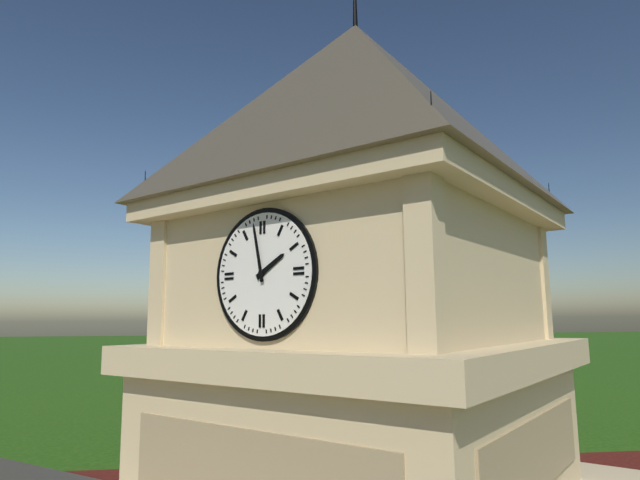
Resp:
1h58
